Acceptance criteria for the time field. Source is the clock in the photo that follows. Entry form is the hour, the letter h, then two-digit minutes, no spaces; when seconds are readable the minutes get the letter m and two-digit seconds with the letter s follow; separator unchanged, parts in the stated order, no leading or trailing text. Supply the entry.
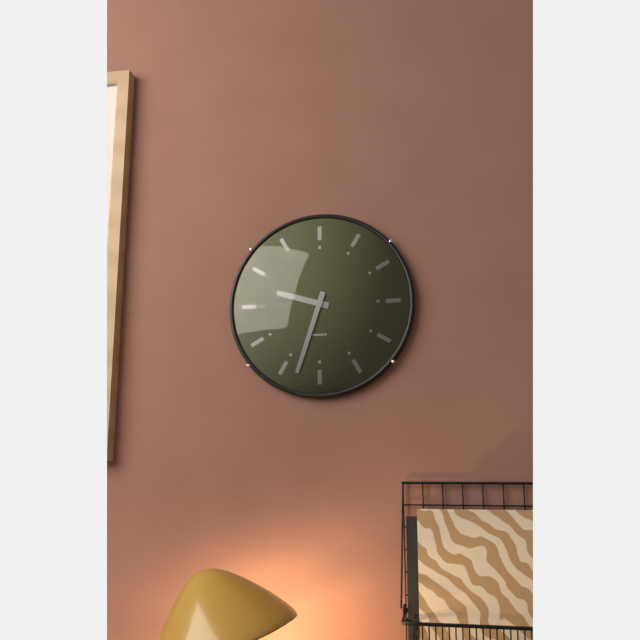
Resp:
9h33
